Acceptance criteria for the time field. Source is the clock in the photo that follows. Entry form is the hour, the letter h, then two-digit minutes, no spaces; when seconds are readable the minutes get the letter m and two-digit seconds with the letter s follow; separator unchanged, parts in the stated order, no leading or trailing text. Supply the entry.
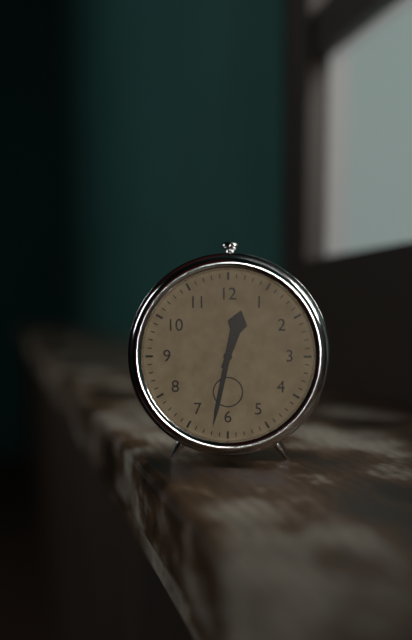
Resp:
12h32
